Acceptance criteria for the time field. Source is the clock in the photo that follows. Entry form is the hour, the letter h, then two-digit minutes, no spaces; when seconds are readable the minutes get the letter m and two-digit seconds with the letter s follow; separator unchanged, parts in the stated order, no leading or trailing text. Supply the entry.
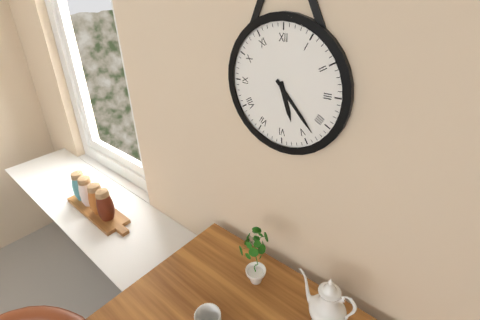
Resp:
5h23
